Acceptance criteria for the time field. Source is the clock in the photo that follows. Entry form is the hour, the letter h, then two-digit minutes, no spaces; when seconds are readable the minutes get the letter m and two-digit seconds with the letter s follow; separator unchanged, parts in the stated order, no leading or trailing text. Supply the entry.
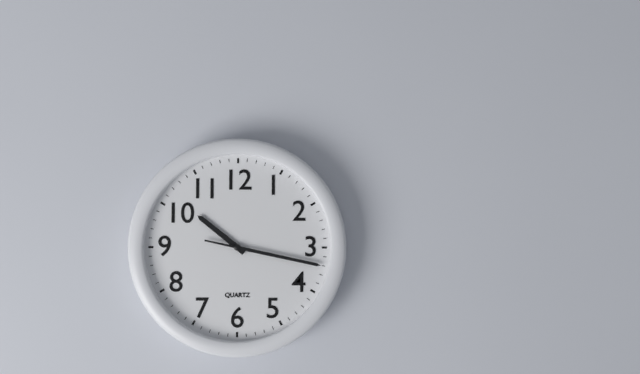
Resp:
10h17
